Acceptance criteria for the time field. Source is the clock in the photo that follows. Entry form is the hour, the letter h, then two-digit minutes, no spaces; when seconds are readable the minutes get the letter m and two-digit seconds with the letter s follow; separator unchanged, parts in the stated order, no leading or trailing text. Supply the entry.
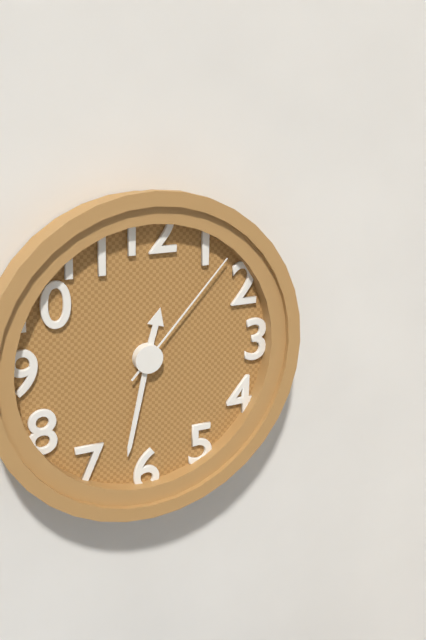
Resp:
12h32m07s
